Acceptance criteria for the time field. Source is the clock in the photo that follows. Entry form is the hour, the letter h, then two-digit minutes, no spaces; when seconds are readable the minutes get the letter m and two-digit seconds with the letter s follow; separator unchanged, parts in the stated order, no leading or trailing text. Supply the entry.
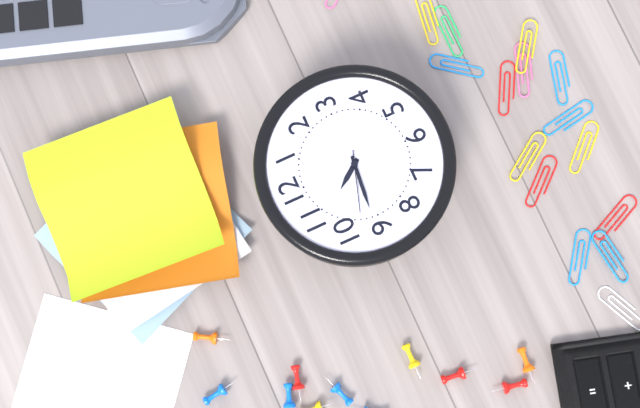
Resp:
10h46m48s
